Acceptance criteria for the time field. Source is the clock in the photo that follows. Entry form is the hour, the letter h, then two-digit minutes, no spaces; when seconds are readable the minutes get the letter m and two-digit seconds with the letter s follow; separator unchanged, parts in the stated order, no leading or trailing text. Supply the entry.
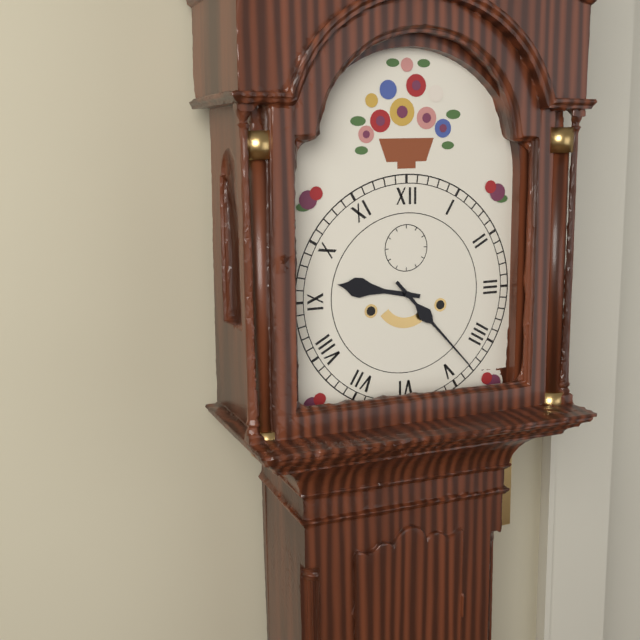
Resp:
9h23
